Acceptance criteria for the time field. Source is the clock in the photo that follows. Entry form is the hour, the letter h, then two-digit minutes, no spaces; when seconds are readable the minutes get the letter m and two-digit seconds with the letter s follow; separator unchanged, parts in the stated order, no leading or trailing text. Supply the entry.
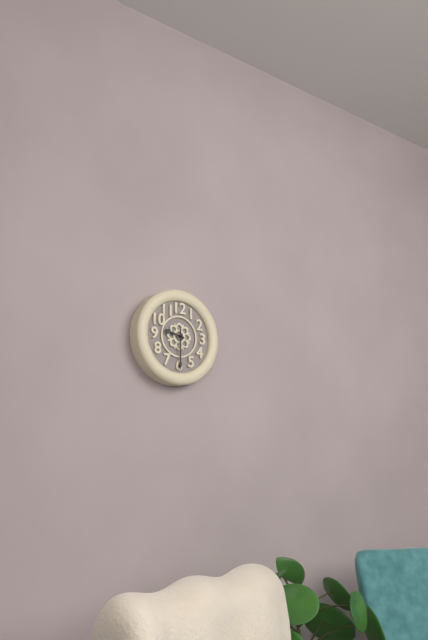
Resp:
9h30
